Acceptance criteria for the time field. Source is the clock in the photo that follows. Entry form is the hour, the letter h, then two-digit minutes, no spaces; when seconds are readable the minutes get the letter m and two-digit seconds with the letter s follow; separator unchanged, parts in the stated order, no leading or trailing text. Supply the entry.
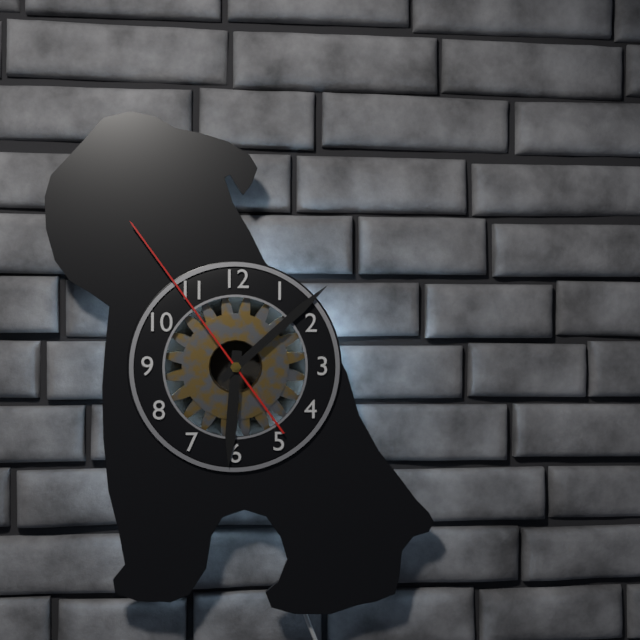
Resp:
6h08m54s
